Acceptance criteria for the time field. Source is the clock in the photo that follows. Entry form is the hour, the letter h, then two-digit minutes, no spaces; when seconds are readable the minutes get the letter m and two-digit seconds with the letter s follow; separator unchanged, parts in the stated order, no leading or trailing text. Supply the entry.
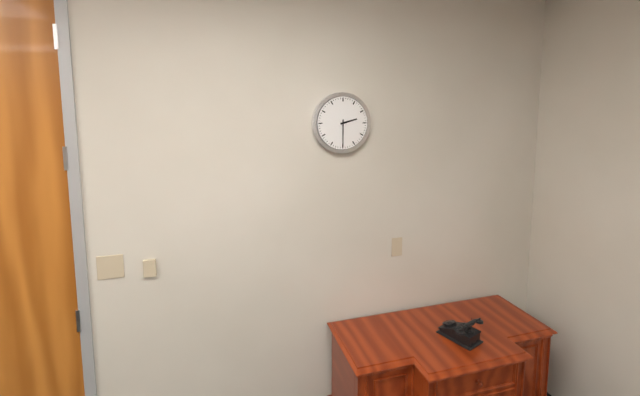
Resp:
2h30
